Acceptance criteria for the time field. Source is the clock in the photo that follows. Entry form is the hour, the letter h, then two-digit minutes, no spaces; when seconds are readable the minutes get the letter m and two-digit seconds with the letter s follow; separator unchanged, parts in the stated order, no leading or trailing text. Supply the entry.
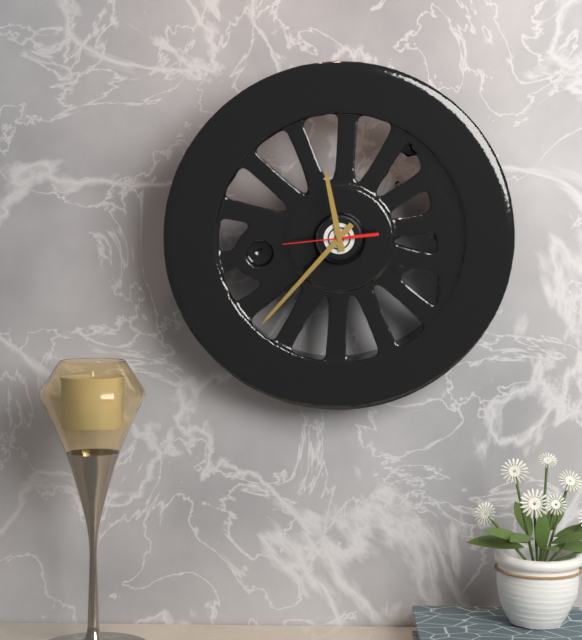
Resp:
11h37m44s
